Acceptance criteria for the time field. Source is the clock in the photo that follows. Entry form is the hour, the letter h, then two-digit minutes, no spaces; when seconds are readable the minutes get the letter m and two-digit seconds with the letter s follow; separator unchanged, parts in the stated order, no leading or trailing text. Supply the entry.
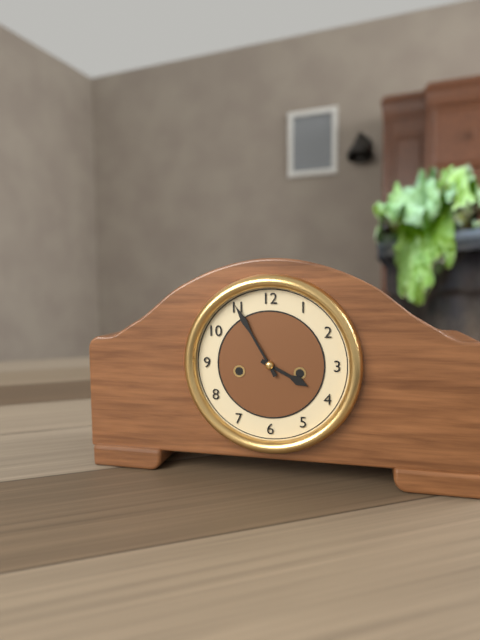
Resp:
3h55
